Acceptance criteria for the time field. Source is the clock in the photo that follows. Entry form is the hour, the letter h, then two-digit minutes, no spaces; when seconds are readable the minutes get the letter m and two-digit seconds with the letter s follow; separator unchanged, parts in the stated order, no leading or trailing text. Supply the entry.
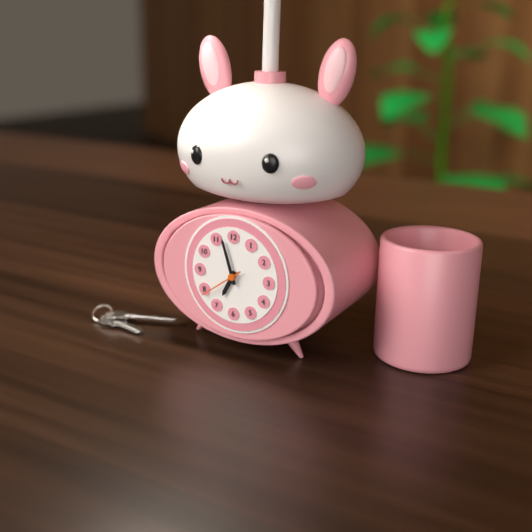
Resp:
6h57
